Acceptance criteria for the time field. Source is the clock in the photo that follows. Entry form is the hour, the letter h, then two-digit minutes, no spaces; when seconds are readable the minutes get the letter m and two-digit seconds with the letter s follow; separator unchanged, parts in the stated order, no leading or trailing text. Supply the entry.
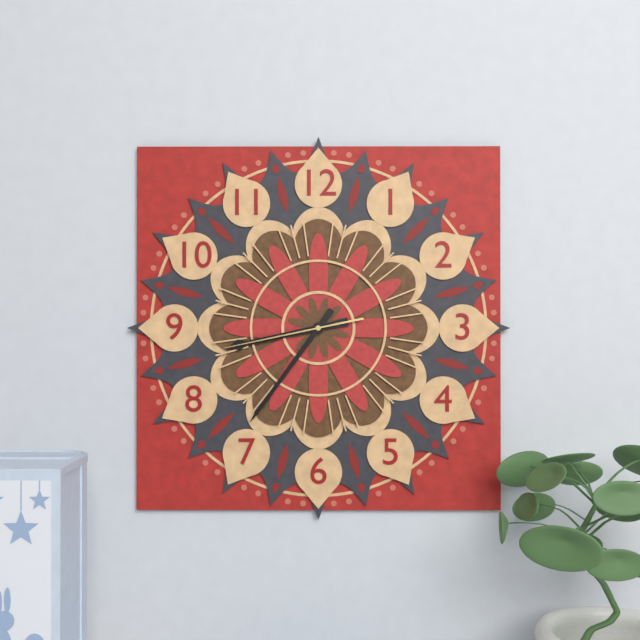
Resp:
8h36m43s
